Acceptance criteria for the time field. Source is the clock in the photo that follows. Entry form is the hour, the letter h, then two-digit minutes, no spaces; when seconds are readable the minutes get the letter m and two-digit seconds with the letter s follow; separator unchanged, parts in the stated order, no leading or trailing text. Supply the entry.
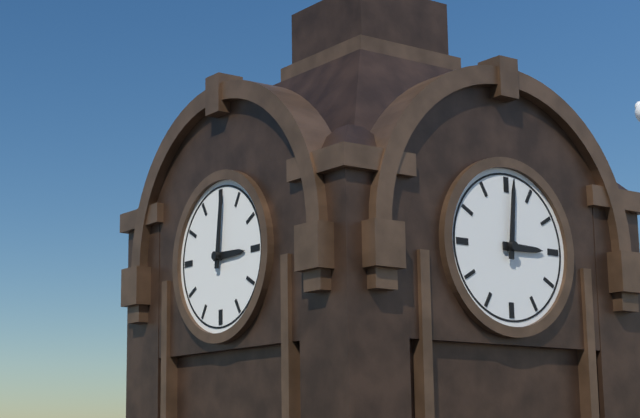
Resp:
3h01
